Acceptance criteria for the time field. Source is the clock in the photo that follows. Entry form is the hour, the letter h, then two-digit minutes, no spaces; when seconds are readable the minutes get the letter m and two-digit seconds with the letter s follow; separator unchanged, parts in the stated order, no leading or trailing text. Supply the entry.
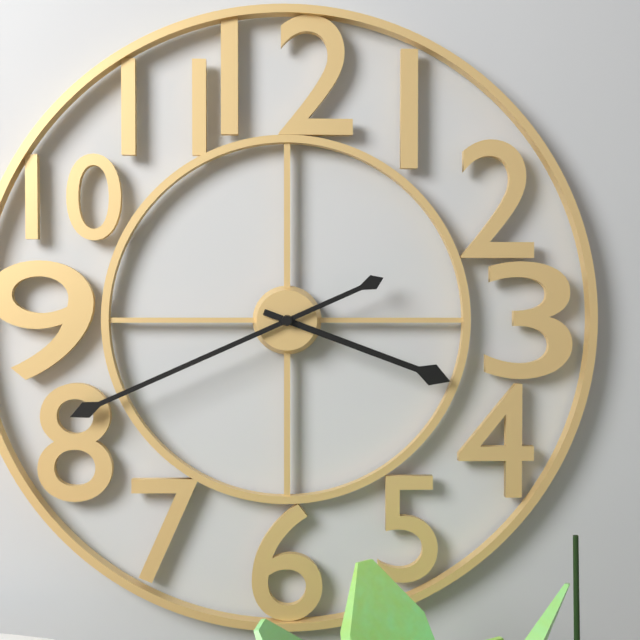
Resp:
3h41
